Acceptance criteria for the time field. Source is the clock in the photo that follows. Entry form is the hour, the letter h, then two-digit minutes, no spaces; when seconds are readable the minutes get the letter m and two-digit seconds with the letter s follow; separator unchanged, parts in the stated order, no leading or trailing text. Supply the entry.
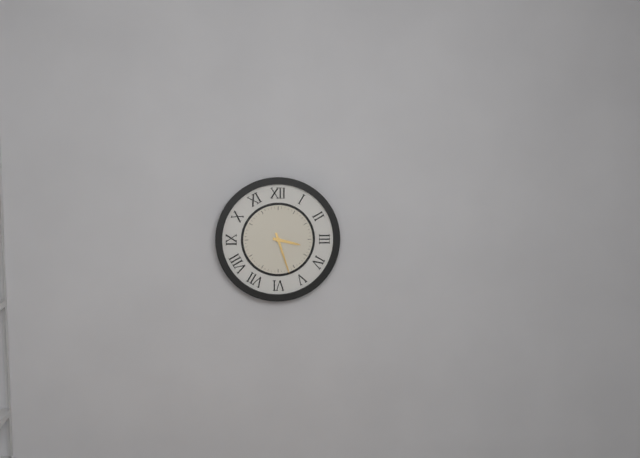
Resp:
3h27
